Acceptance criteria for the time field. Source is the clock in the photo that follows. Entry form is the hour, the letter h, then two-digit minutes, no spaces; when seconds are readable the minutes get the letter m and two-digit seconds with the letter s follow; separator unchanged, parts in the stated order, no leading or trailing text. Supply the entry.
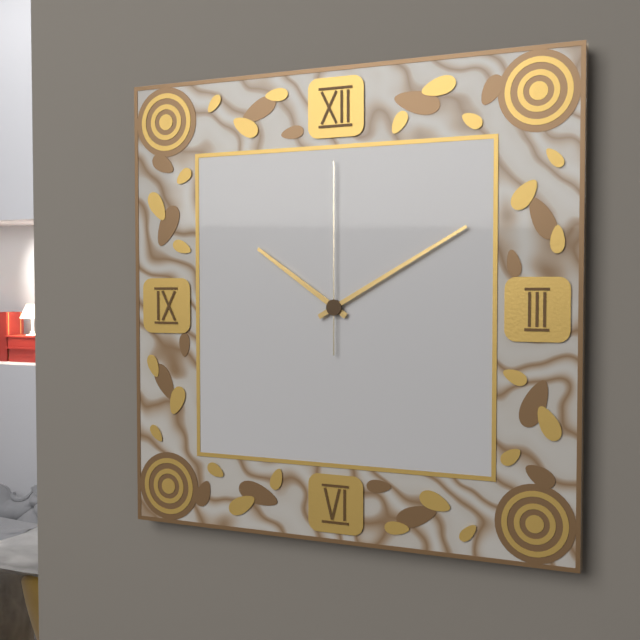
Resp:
10h10m00s
